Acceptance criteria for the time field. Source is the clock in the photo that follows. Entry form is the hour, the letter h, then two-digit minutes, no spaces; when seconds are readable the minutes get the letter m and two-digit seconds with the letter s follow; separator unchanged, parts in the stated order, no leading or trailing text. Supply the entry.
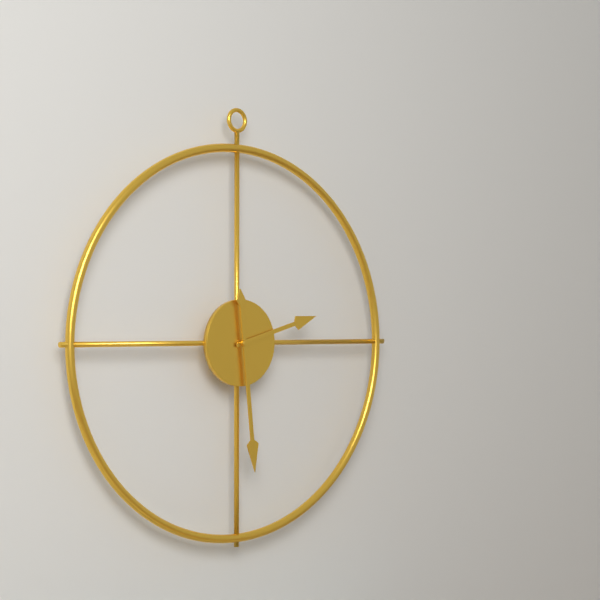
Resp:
2h29
